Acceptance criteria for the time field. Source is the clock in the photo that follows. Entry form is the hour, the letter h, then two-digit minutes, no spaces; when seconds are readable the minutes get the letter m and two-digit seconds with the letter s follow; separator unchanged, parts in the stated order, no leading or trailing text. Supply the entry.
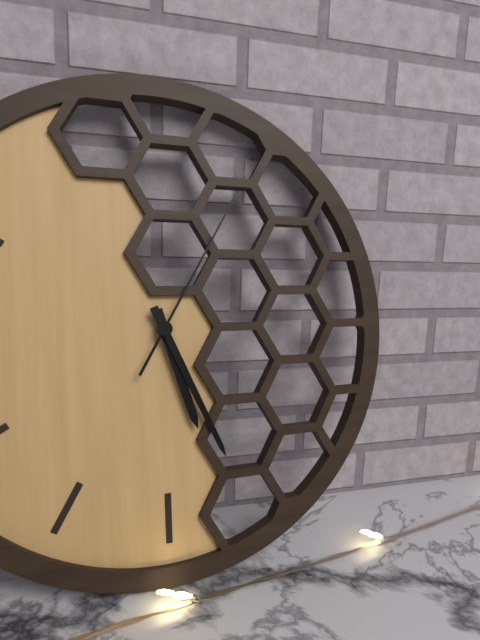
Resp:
5h26m05s
